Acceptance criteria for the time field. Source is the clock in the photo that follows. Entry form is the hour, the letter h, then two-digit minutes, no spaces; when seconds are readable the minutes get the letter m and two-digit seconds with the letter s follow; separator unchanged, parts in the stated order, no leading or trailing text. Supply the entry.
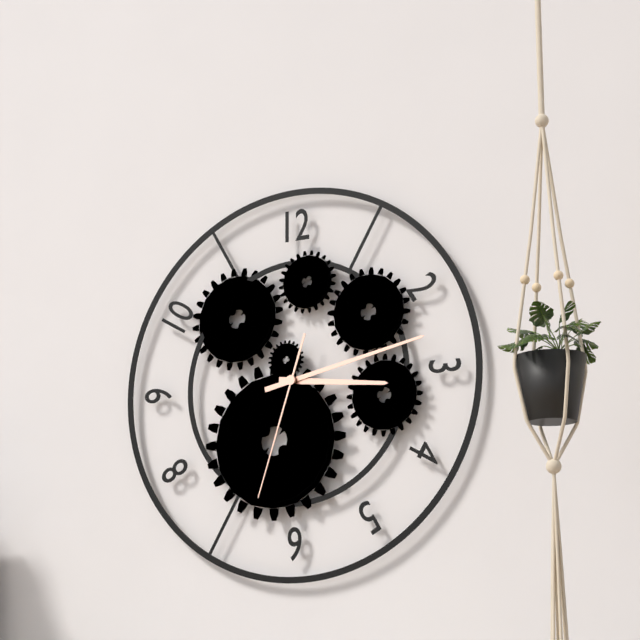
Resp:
3h13m33s
